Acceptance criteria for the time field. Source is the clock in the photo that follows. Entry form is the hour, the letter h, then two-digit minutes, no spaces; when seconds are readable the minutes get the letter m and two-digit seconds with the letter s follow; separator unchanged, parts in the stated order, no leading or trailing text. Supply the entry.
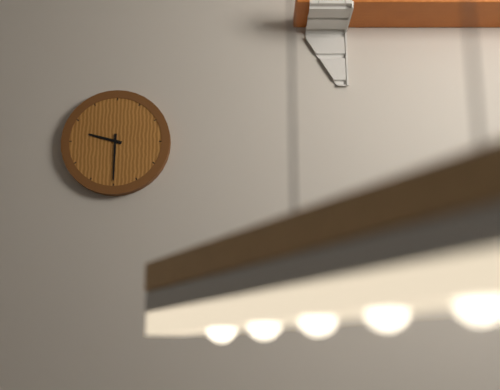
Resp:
9h30
